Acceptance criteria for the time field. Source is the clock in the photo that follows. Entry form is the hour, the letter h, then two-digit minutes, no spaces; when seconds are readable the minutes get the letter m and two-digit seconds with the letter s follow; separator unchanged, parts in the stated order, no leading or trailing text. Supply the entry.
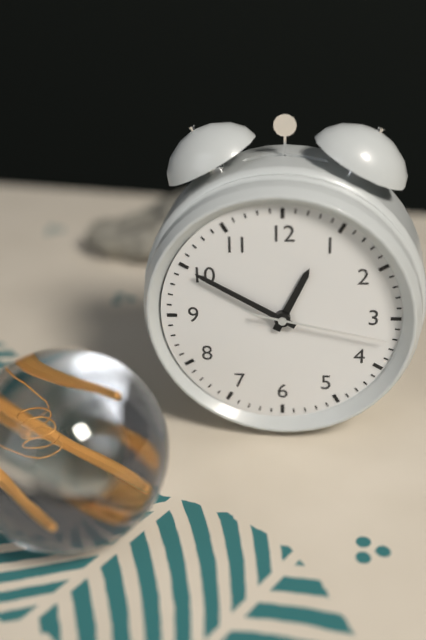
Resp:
12h50m17s
